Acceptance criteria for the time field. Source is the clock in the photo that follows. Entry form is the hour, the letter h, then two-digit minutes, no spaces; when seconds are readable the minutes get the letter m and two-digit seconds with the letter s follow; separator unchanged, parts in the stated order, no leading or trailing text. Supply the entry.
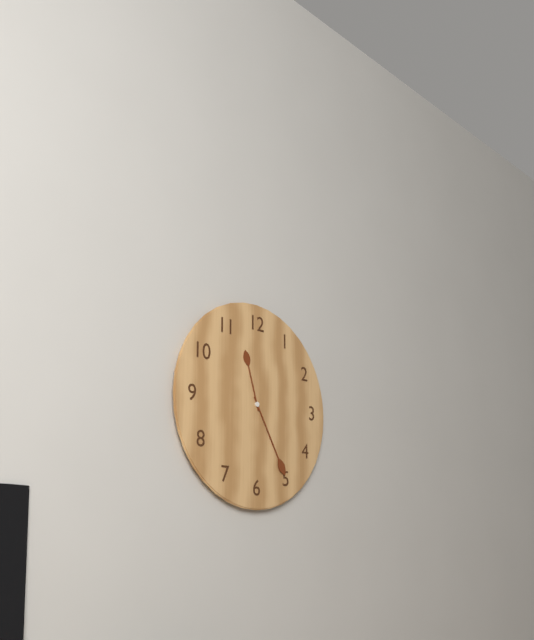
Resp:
11h25
